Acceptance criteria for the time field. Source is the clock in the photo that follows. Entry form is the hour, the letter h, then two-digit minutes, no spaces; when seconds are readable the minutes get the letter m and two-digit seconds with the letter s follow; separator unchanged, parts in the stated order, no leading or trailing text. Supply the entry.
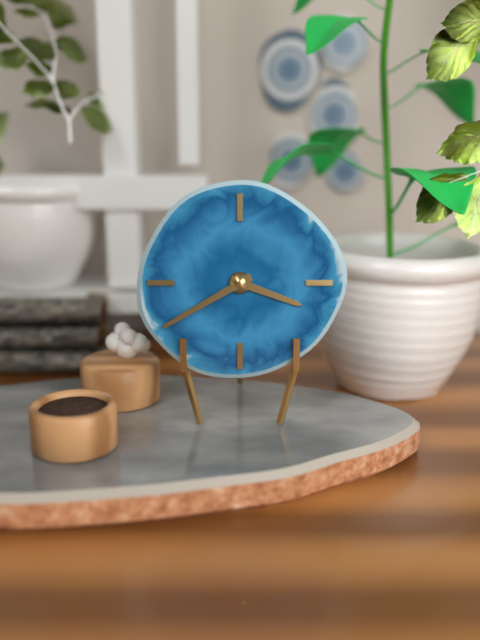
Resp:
3h40
